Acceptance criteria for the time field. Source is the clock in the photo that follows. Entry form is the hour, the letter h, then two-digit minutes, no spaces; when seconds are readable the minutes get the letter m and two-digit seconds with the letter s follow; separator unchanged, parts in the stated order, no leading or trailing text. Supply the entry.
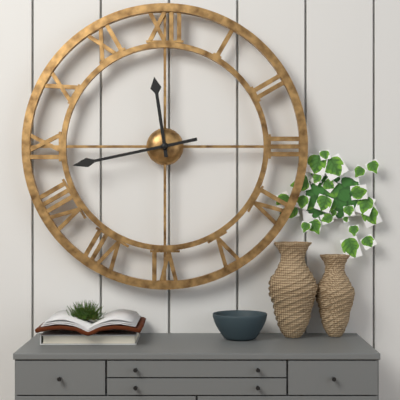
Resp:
11h43
